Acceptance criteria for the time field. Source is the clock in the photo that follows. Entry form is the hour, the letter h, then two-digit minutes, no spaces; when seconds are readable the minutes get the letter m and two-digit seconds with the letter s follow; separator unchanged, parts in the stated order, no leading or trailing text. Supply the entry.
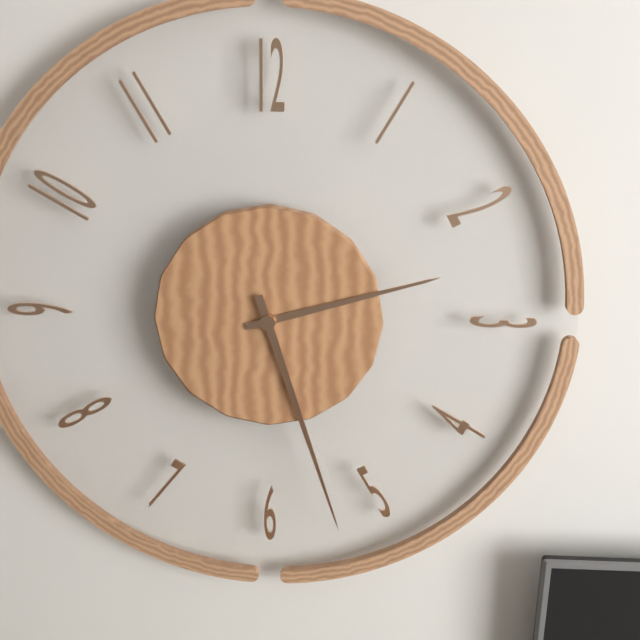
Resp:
2h27
